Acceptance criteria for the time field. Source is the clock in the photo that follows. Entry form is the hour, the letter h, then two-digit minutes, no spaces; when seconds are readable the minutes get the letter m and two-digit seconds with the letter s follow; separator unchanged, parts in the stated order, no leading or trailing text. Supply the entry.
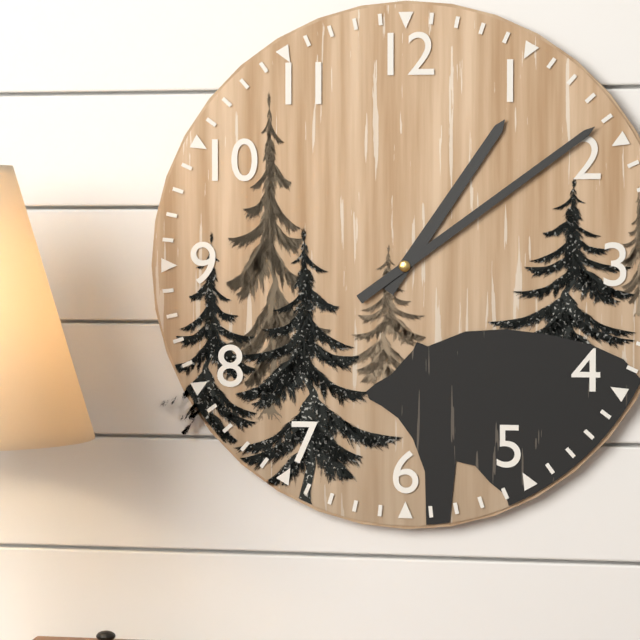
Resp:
1h09
